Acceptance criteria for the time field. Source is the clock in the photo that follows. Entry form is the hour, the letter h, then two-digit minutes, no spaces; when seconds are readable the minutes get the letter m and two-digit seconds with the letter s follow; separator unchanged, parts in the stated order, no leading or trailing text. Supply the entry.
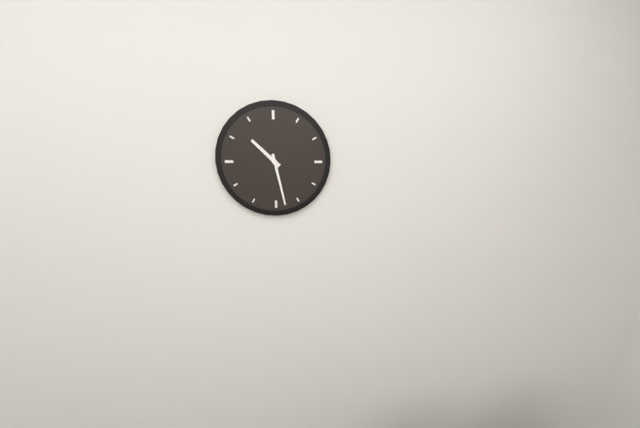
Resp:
10h28
